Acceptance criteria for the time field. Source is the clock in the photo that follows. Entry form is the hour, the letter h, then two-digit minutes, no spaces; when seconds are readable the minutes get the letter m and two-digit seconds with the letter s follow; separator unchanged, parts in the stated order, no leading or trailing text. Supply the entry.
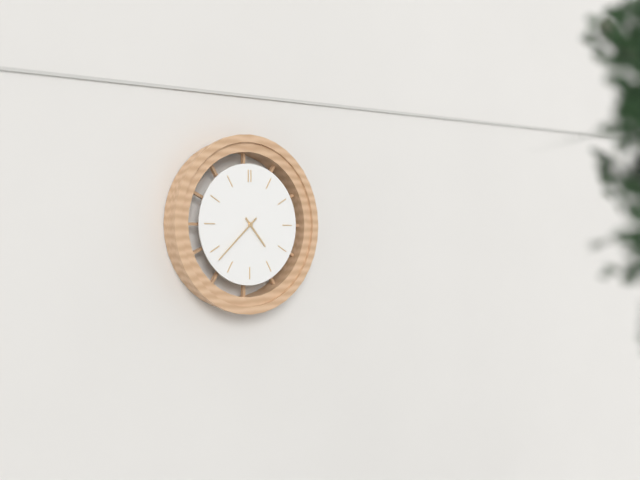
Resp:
4h38
